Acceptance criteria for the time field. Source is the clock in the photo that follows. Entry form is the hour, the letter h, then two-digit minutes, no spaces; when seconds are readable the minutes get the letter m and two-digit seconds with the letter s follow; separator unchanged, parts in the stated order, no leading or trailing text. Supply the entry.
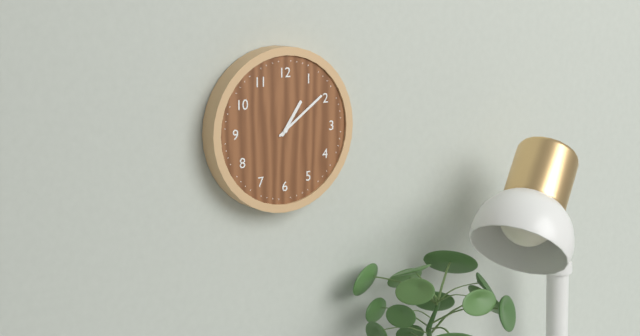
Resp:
1h09
